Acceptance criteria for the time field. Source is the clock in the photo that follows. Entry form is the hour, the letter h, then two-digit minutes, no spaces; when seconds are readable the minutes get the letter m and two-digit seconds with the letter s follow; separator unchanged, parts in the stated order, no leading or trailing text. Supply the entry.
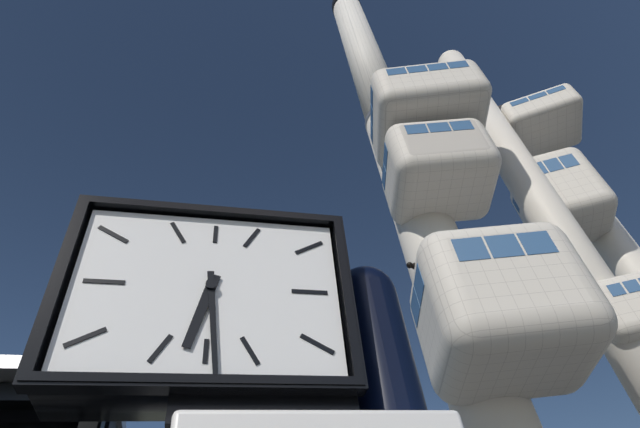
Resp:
6h29
